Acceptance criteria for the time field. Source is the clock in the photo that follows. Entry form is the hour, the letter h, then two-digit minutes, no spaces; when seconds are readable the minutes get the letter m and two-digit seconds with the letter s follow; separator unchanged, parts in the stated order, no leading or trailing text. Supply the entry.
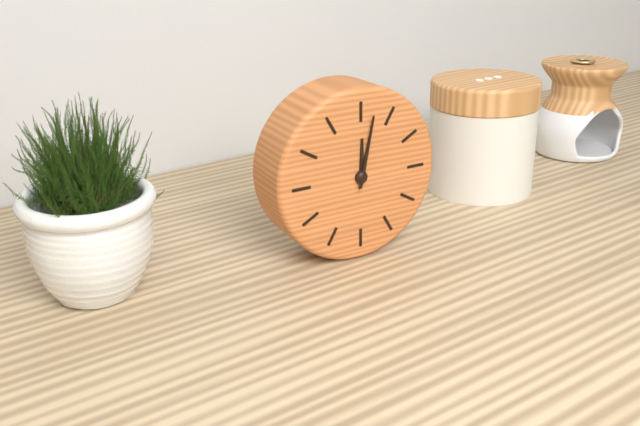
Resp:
12h02
